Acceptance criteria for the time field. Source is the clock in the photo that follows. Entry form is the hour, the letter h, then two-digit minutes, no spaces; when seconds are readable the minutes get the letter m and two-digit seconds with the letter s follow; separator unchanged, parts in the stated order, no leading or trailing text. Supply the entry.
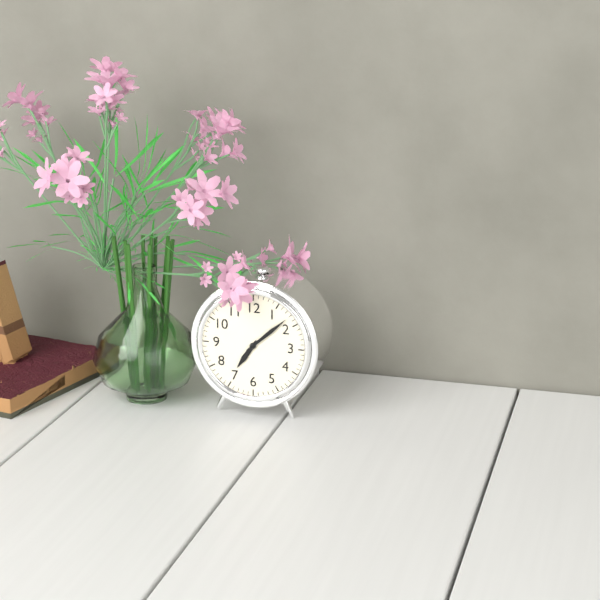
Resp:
7h08
